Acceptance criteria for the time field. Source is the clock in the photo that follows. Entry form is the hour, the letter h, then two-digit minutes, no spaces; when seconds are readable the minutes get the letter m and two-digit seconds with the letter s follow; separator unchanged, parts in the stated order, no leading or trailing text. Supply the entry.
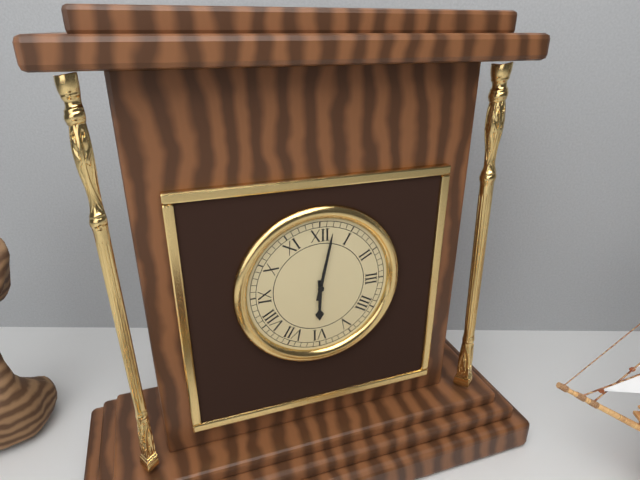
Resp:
6h02
